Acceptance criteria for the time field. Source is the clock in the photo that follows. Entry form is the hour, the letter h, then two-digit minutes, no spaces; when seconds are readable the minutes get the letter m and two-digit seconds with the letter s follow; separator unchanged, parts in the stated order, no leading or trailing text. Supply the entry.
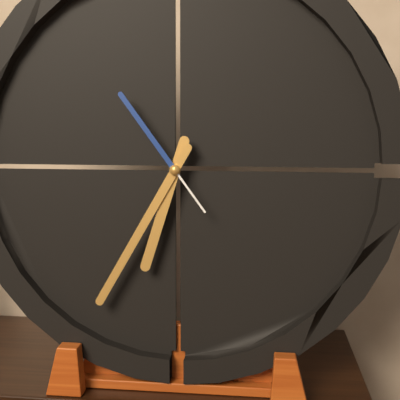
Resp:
6h35m54s
